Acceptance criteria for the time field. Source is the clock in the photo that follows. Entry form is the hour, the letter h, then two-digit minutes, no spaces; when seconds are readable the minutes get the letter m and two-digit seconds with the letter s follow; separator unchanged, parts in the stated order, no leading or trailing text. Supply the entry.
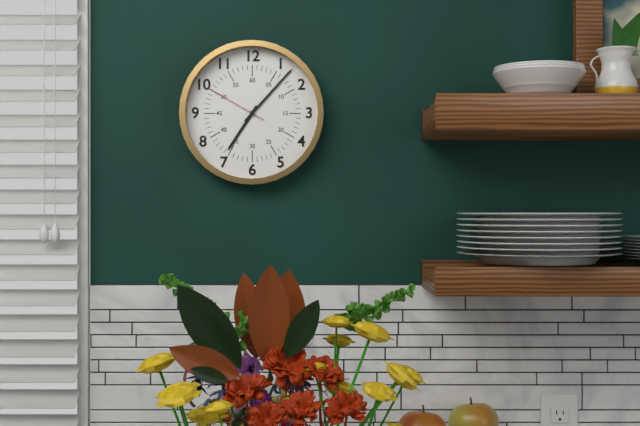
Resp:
7h07m50s
